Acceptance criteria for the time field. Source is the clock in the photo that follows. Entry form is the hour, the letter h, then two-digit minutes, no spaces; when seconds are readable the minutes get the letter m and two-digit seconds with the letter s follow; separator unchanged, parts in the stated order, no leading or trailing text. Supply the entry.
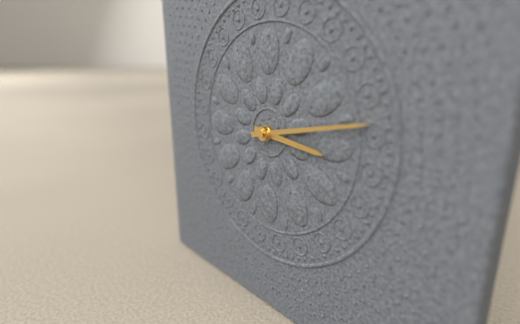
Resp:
3h13
